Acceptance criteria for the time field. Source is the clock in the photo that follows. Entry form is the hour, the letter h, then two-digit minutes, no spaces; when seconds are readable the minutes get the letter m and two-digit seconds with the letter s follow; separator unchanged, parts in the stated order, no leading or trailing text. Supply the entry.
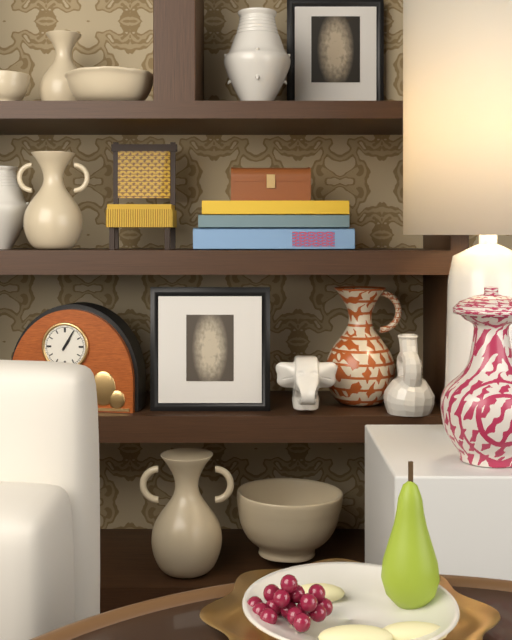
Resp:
1h05
